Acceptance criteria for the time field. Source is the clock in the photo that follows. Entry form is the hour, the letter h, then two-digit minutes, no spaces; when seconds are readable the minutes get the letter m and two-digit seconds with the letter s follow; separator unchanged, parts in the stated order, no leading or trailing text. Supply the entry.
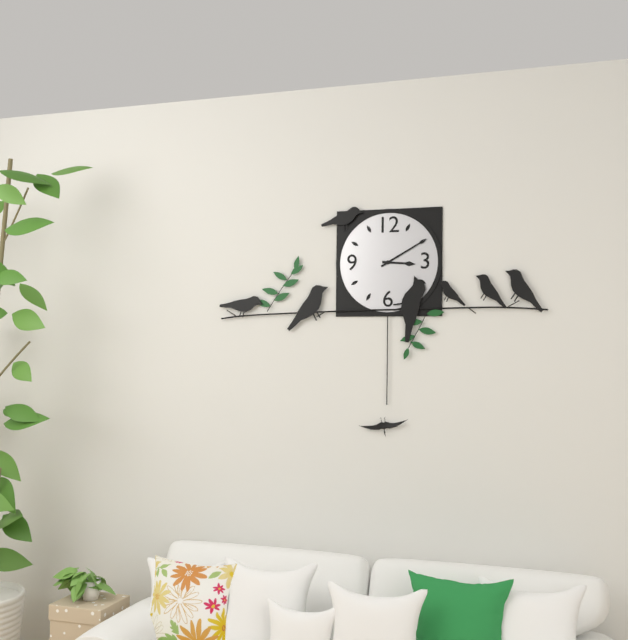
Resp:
3h10
